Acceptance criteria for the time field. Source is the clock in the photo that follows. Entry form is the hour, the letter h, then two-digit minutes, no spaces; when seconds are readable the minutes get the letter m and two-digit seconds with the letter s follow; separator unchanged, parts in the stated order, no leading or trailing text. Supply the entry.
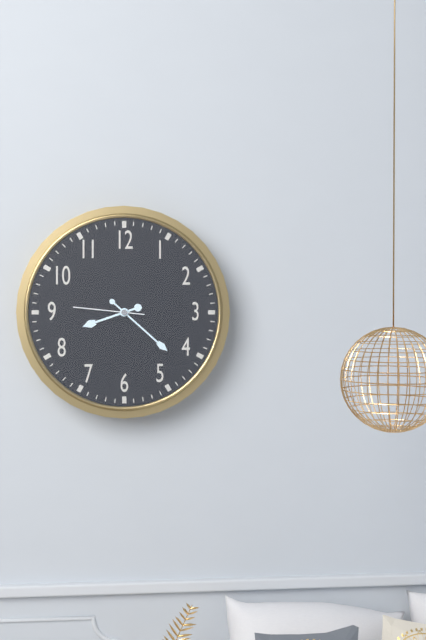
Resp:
8h22m46s
